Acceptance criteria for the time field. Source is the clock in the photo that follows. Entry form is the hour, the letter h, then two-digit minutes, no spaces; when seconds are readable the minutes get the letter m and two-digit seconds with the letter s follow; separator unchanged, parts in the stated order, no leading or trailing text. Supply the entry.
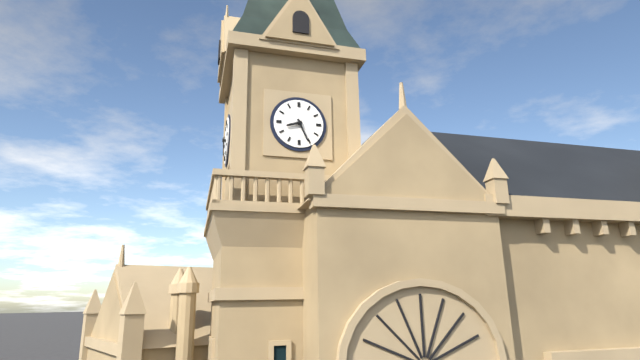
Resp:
8h26
